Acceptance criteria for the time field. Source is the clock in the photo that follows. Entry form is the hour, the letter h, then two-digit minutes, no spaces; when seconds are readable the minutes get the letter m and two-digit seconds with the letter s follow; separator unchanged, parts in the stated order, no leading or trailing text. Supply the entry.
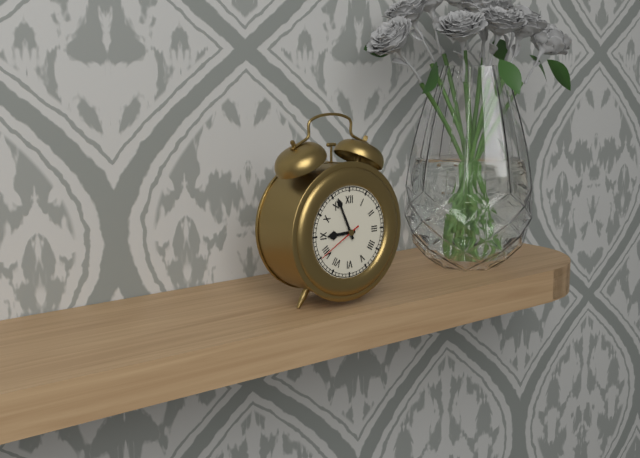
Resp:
8h56
